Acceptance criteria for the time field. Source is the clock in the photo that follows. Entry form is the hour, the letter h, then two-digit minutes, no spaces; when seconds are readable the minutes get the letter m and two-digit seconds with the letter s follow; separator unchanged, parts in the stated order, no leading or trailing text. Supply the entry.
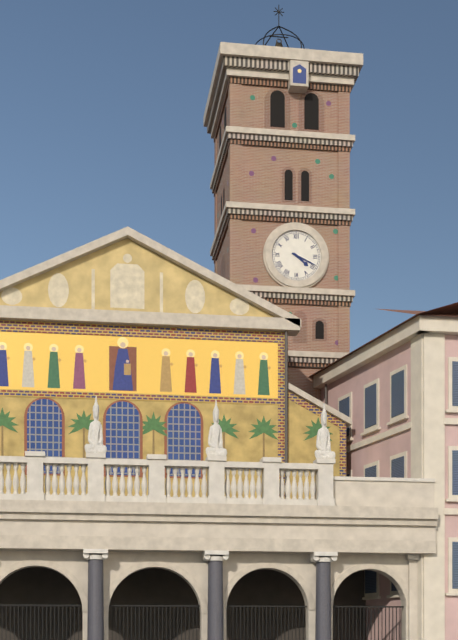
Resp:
4h19
